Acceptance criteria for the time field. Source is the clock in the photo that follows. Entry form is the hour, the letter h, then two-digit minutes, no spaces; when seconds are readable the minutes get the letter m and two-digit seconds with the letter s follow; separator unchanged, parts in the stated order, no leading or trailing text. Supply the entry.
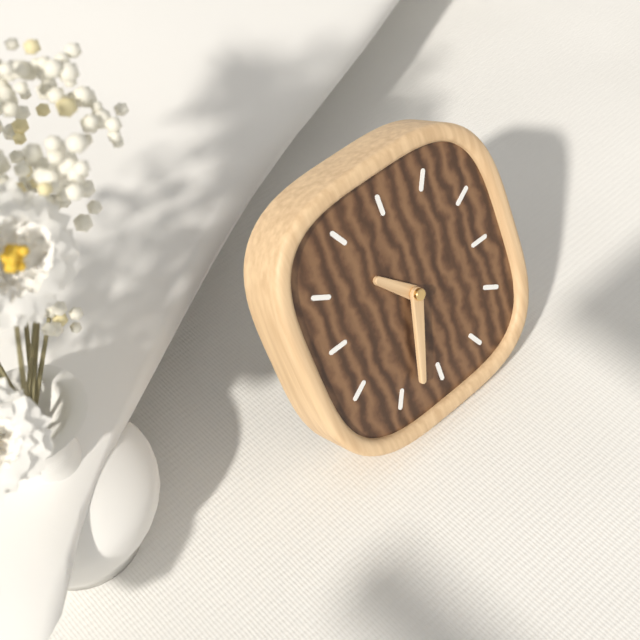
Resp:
10h33
